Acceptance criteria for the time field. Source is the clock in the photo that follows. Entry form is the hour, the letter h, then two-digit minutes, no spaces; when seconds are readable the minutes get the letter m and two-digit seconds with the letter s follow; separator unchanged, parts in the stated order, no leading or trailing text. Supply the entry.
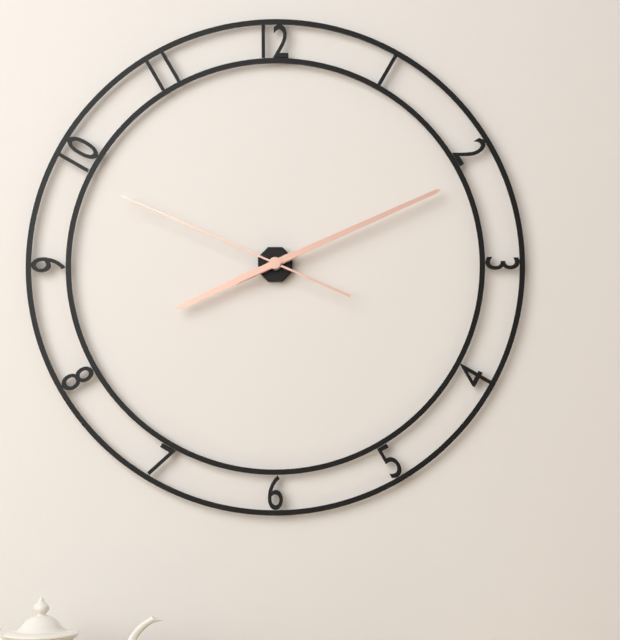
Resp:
8h11m49s
